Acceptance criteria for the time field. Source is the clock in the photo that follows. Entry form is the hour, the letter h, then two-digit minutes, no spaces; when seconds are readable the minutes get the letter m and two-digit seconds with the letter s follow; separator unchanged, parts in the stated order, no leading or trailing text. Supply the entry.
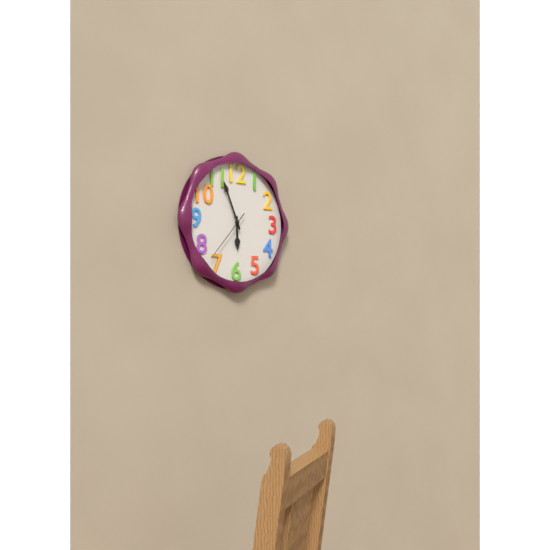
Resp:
5h56m37s
